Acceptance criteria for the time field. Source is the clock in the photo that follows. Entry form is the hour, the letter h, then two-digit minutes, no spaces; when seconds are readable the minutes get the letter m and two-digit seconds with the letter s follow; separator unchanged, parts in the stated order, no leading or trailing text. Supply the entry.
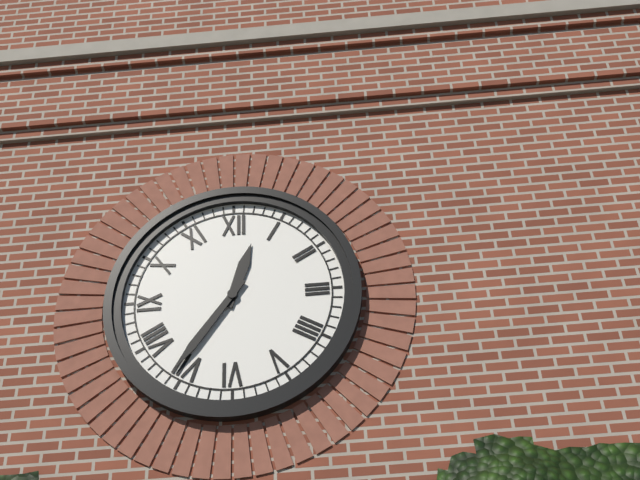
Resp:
12h36
